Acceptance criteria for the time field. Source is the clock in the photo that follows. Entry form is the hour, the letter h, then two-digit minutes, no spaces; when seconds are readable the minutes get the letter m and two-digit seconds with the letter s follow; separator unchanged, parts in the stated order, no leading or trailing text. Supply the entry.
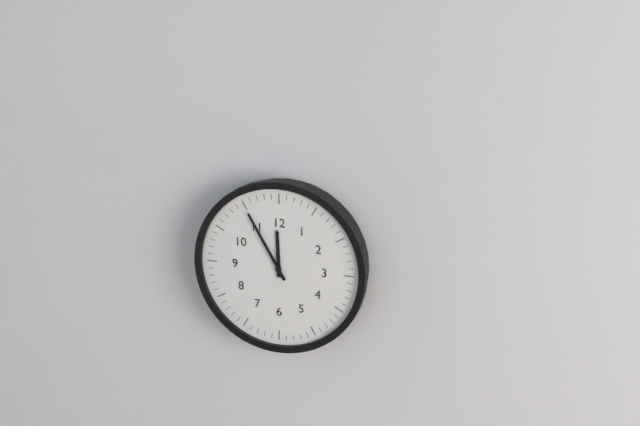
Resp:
11h55
